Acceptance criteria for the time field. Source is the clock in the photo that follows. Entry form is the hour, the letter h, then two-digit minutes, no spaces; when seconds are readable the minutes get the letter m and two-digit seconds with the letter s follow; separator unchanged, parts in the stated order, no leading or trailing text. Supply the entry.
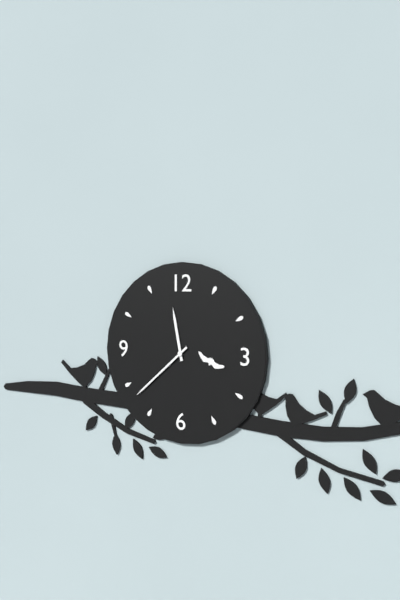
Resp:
11h38
